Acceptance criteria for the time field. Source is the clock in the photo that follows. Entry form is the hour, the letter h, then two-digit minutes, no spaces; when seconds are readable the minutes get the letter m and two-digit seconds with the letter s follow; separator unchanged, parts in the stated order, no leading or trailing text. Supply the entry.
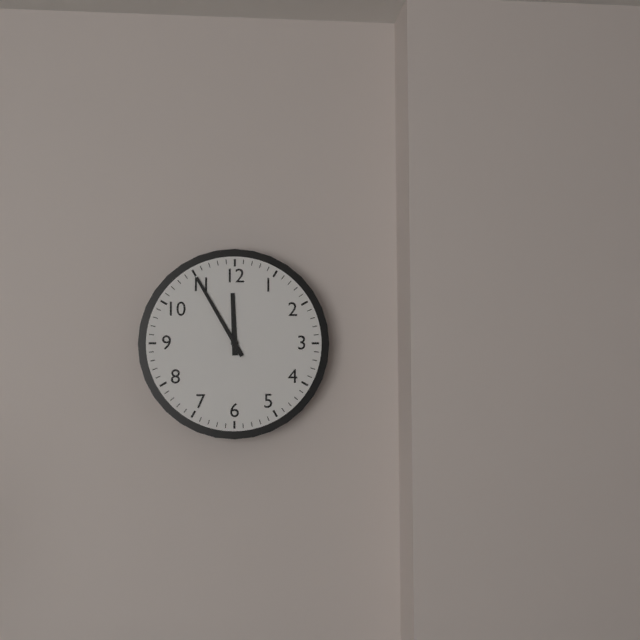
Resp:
11h55
